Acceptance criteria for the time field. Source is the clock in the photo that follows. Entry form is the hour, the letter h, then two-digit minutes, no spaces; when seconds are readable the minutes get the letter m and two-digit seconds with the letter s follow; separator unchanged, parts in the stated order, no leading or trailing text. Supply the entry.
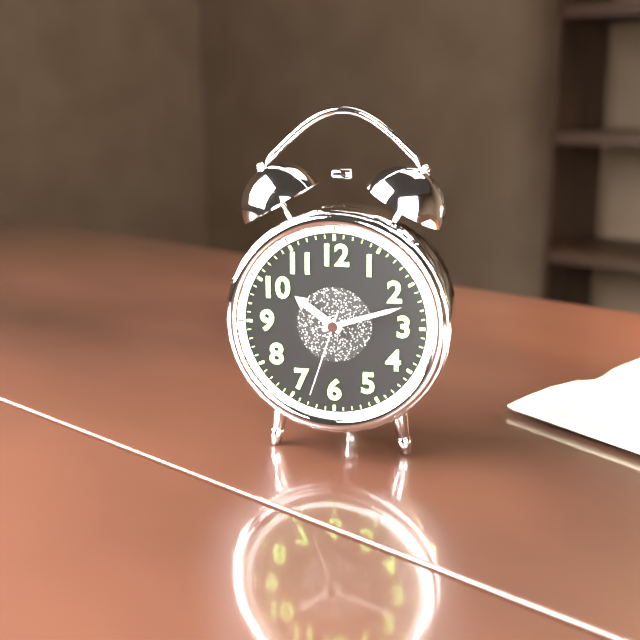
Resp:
10h12m33s
